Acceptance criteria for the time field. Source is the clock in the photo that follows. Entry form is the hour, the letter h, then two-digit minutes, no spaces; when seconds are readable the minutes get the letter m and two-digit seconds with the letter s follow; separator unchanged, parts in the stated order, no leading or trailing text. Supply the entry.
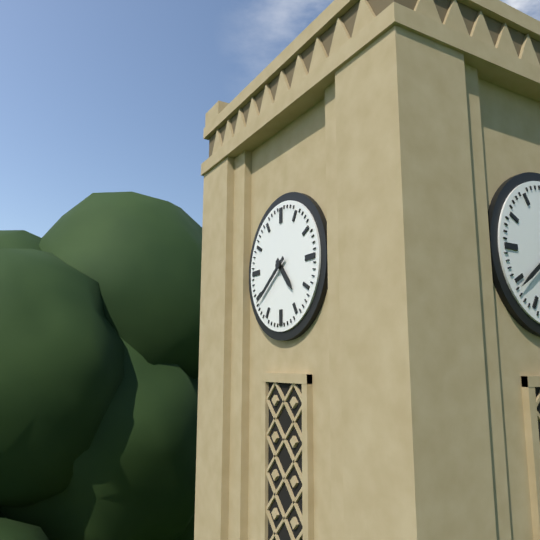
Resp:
4h39
